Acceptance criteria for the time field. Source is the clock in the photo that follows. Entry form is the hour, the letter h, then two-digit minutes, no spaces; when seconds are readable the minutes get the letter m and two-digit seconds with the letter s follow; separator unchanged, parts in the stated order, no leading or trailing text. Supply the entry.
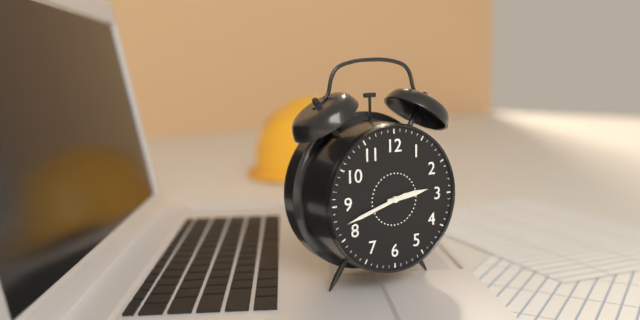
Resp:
2h42
